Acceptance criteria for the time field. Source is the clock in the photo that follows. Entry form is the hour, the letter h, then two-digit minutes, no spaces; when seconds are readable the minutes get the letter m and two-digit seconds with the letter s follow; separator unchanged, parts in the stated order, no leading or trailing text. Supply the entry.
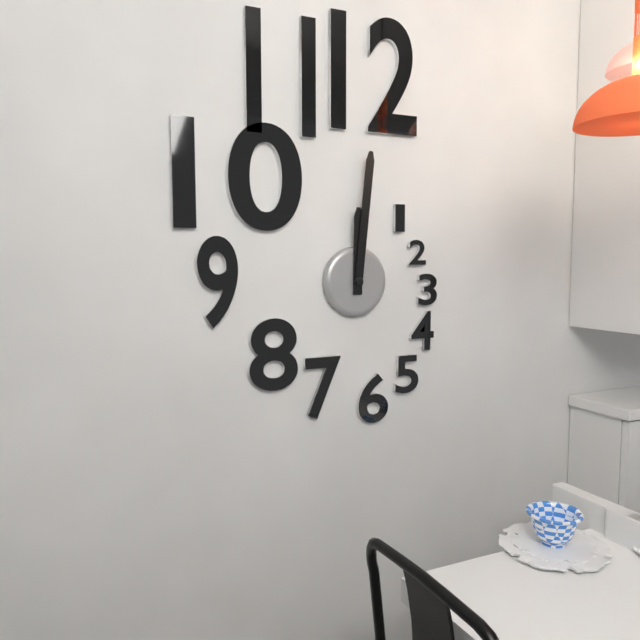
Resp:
12h01
